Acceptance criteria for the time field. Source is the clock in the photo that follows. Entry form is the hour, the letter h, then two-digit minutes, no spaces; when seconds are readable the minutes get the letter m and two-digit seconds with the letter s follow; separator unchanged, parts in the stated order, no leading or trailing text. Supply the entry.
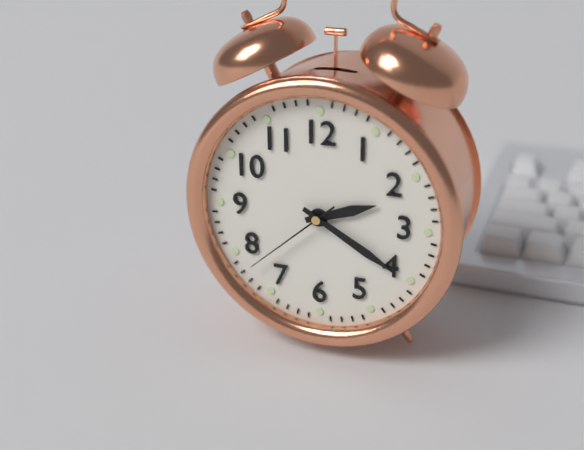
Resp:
2h20m38s
